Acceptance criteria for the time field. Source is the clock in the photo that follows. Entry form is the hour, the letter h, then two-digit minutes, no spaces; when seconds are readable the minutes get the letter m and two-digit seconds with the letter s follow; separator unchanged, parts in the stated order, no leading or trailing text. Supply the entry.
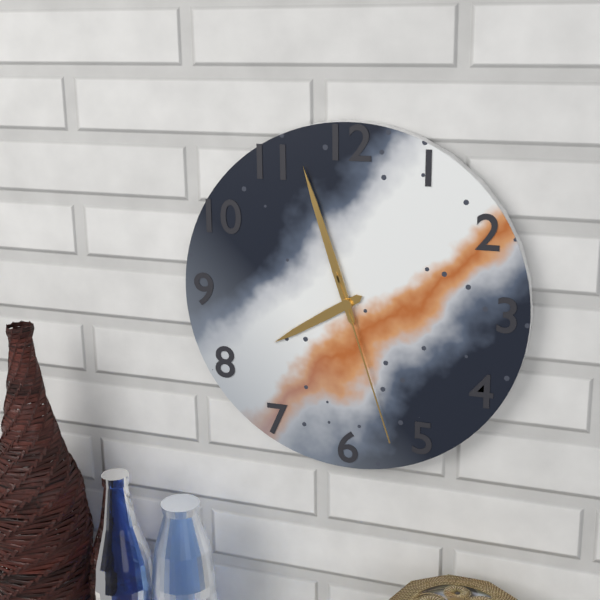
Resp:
7h57m27s
